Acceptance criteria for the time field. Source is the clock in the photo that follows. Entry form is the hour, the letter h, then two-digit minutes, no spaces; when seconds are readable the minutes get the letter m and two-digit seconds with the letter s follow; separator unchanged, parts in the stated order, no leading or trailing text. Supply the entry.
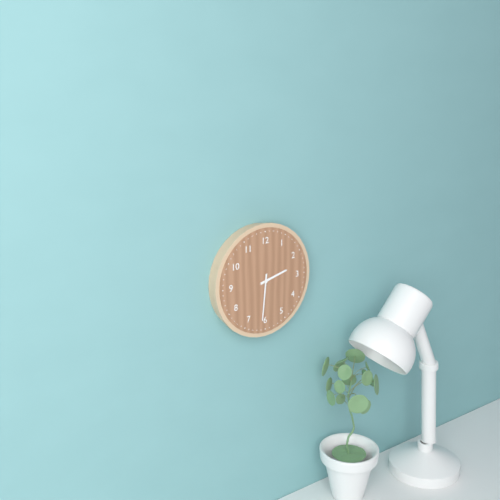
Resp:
2h31
